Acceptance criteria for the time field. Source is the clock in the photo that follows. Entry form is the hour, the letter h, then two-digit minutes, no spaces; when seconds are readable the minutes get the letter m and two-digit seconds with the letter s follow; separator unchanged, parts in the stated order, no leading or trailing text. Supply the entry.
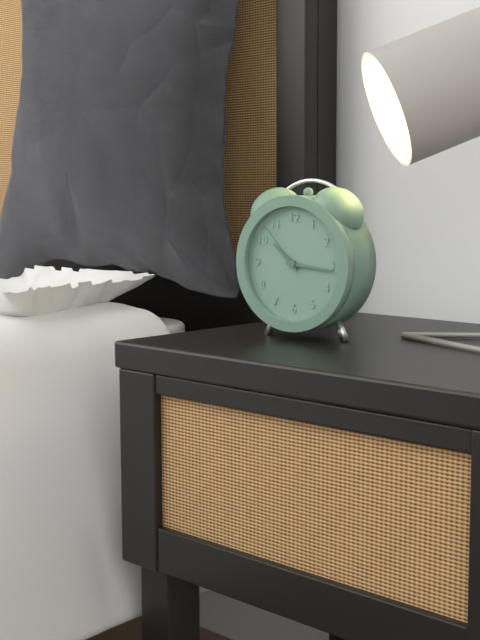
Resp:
10h16m53s
